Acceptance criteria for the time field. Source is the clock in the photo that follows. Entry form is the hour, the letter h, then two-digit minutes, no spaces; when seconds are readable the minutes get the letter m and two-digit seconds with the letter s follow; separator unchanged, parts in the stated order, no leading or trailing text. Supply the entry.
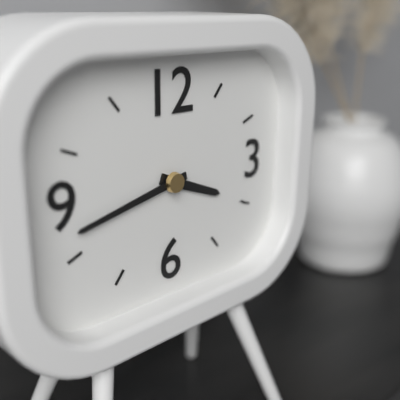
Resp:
3h43
